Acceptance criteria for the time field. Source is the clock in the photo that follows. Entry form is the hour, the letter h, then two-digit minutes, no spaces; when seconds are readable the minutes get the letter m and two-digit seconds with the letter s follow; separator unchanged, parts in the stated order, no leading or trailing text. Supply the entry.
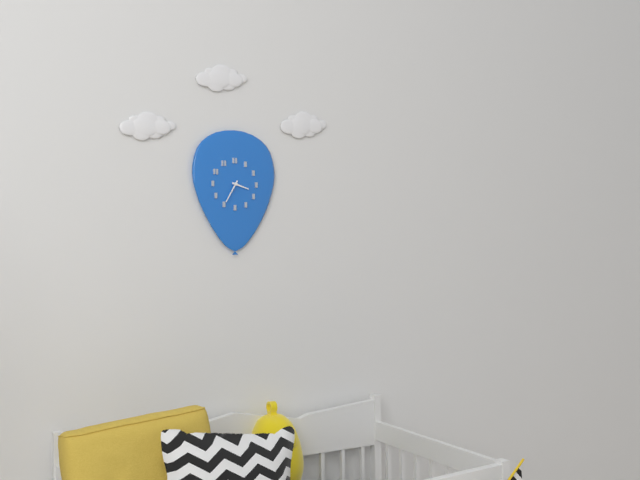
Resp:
3h35
